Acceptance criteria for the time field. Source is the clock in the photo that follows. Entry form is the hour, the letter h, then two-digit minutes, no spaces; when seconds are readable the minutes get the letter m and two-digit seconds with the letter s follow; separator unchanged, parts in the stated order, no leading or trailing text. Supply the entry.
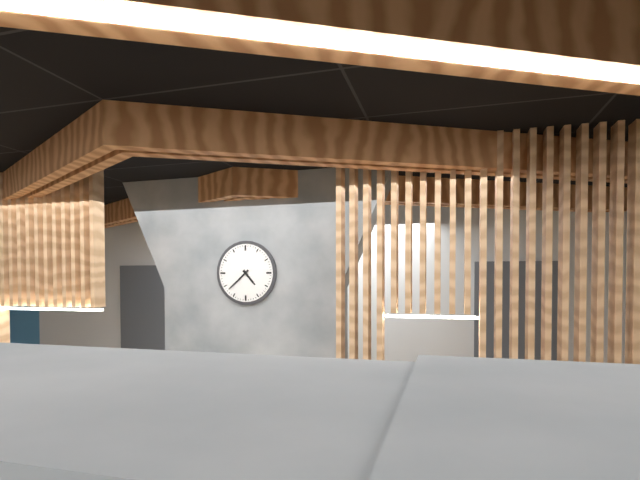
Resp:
4h38
